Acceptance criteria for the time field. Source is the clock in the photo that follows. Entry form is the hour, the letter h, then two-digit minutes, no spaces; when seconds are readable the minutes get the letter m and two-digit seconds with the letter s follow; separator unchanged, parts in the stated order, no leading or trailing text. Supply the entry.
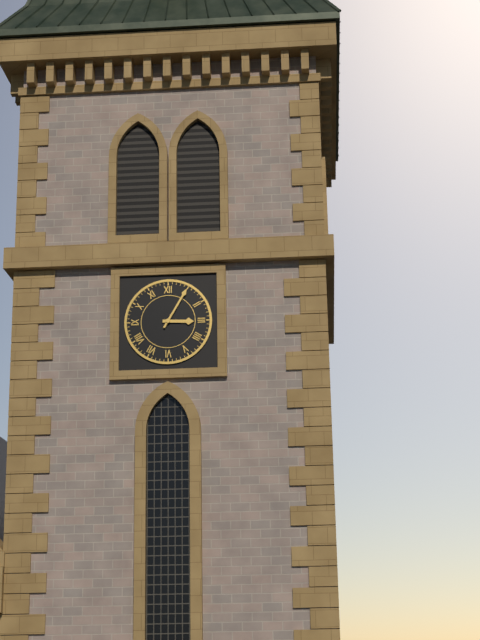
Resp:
3h05
